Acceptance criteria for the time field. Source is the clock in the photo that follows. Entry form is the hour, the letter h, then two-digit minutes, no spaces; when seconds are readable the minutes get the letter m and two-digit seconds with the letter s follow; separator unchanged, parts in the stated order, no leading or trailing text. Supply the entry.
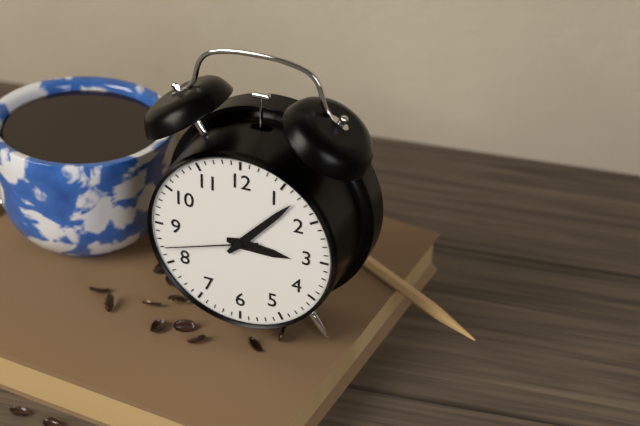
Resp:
3h07m42s
